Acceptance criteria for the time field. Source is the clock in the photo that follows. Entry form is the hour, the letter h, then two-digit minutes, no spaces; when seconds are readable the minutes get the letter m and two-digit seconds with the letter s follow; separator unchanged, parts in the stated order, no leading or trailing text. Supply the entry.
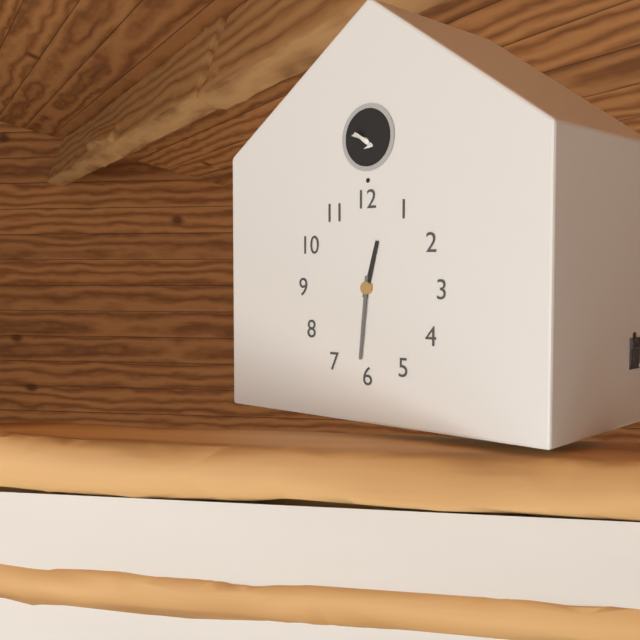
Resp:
12h31
